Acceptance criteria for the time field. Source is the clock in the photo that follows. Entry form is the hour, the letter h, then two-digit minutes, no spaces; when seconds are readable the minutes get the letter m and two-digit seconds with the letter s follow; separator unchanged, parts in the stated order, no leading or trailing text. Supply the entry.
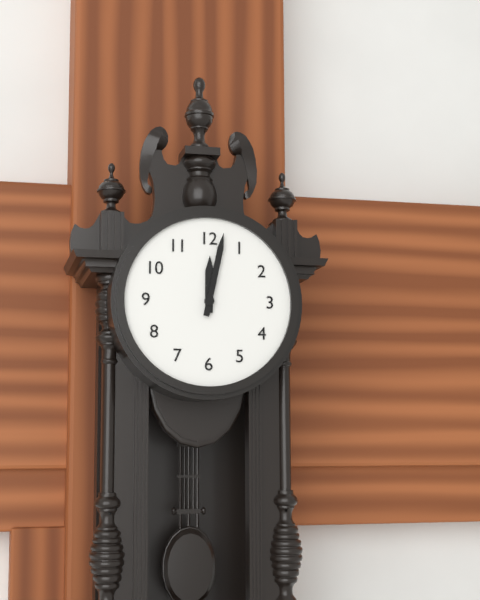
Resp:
12h02
